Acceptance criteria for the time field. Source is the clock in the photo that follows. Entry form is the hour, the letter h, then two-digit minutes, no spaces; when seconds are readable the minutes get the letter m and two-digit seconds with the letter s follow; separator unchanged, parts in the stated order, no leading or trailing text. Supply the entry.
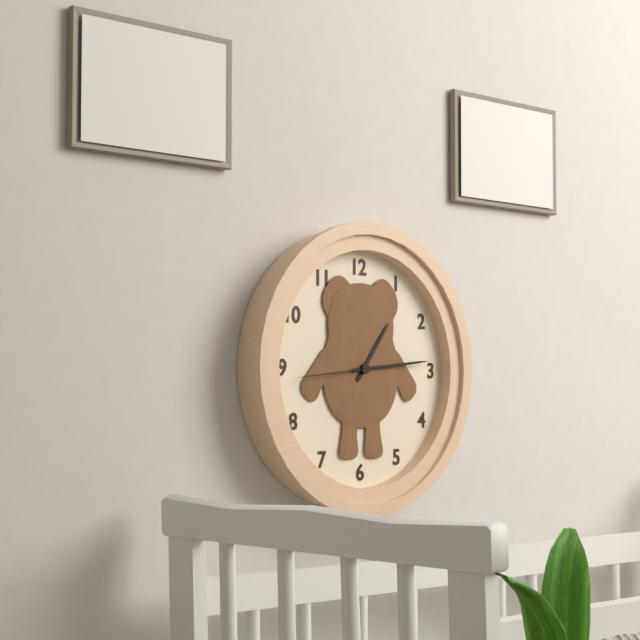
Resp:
1h14m44s
